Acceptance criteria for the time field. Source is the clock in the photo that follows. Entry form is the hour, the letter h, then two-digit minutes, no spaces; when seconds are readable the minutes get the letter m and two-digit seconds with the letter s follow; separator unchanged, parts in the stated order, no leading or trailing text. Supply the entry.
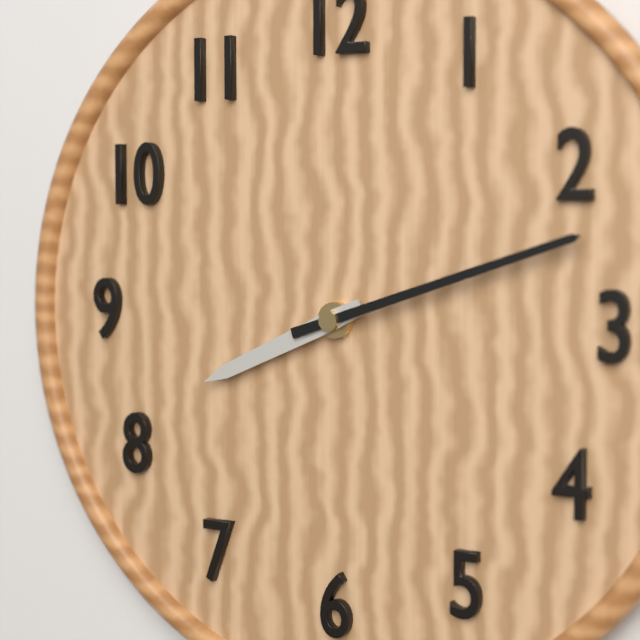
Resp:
8h12
